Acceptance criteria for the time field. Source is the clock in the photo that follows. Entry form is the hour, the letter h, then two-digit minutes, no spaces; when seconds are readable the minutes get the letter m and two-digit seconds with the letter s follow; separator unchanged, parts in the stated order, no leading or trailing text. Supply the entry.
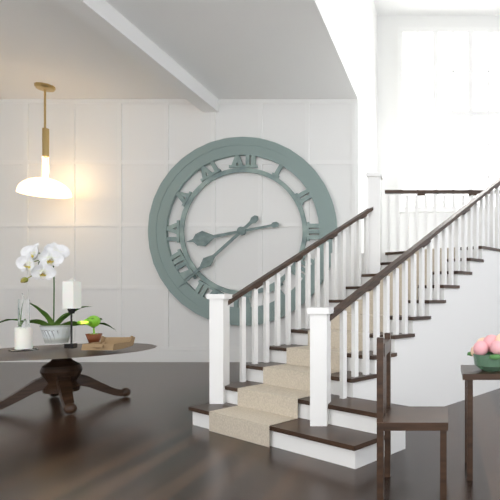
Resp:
8h38
